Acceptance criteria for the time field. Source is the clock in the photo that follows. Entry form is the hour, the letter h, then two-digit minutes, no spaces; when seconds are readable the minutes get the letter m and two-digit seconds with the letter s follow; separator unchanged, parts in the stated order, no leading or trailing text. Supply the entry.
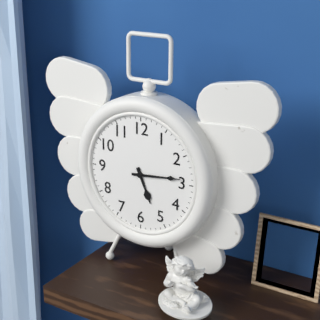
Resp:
5h14
